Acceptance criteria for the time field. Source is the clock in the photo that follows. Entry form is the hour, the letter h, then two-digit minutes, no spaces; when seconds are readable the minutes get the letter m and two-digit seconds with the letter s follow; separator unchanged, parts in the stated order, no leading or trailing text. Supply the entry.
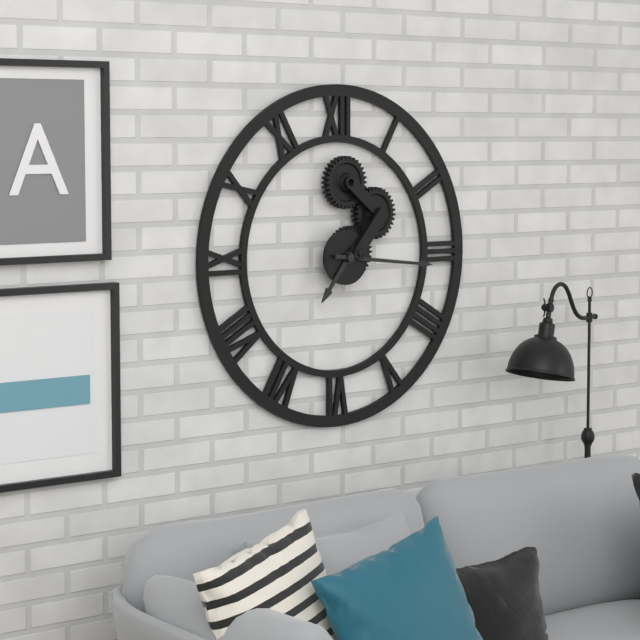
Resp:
7h16
